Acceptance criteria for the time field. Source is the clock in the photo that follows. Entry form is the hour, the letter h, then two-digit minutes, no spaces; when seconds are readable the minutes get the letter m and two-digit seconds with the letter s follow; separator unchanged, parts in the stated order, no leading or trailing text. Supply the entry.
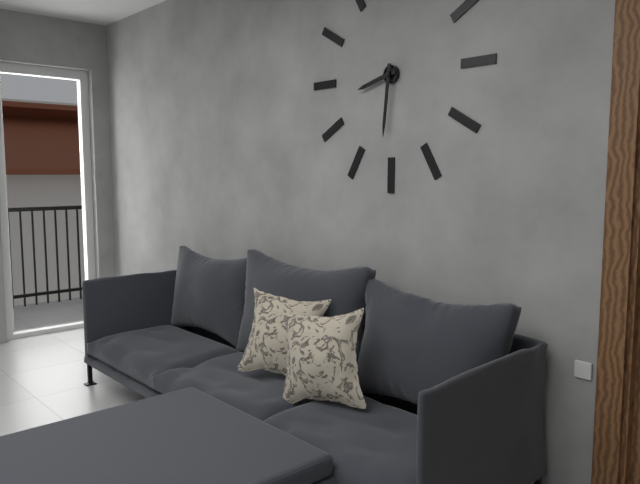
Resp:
8h31
